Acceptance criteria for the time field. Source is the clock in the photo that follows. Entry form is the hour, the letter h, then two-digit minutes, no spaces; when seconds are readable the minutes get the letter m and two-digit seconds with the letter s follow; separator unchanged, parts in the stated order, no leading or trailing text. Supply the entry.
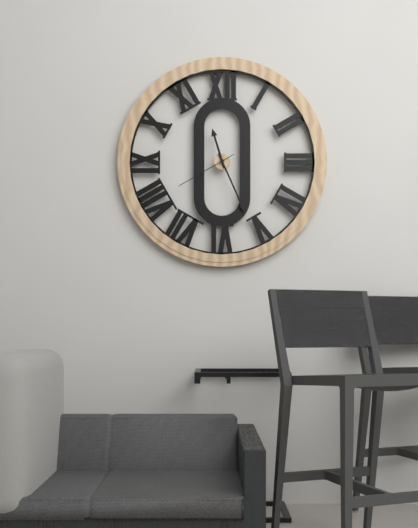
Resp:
11h26m40s
